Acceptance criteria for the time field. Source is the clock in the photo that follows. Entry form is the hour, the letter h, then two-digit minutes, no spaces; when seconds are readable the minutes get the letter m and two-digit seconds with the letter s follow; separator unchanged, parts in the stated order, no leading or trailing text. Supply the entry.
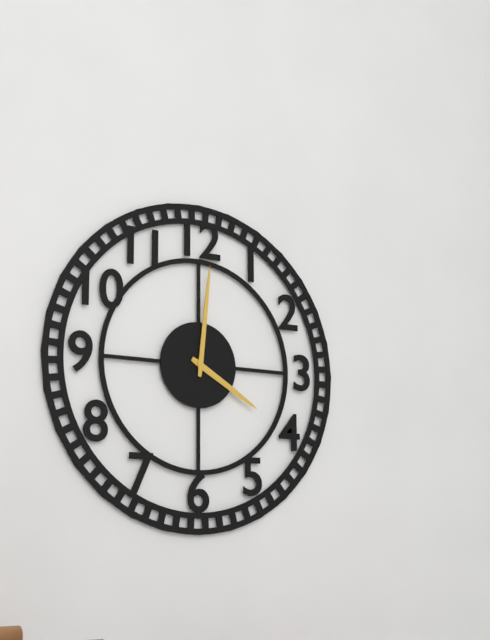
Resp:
4h01
